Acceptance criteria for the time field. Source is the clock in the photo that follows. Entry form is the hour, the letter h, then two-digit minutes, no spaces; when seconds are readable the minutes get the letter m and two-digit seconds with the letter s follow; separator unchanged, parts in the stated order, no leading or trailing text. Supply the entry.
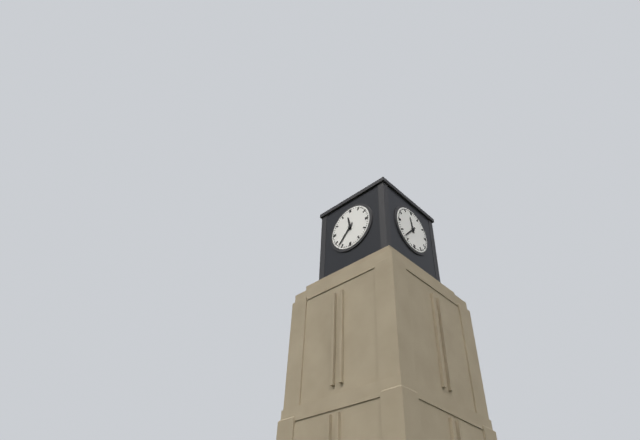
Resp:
11h37
